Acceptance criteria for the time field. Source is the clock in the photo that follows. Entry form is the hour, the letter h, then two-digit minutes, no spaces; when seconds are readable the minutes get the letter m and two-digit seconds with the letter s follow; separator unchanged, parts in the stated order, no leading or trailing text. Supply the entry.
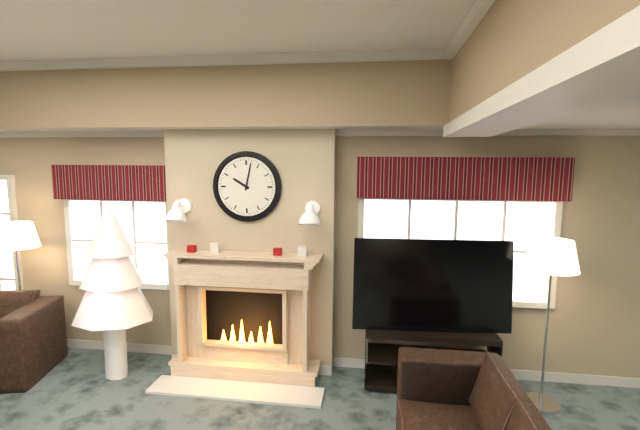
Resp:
10h02
